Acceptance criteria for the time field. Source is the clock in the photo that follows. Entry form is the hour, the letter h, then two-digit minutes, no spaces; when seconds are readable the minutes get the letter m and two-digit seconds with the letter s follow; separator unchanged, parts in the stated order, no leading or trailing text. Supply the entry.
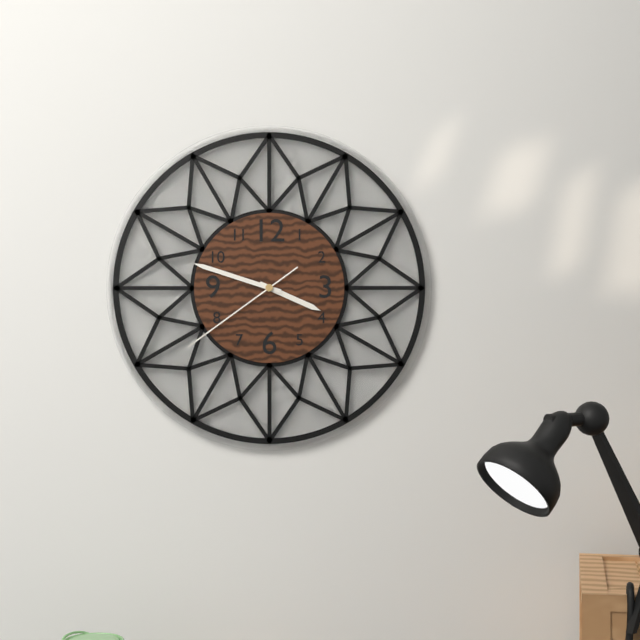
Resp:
3h48m39s
